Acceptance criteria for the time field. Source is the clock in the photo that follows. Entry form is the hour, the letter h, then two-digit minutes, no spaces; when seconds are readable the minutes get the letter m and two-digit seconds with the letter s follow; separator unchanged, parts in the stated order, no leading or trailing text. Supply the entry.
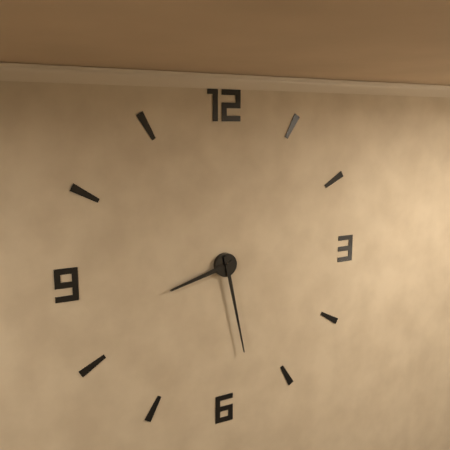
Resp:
8h28
